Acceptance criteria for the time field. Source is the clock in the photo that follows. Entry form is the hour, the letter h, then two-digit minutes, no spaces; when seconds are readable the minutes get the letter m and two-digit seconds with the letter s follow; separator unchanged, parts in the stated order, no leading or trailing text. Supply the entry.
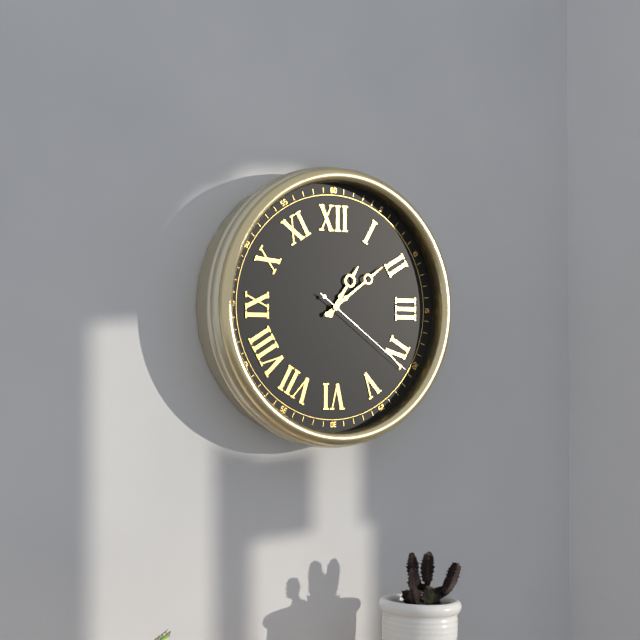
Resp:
1h09m21s
